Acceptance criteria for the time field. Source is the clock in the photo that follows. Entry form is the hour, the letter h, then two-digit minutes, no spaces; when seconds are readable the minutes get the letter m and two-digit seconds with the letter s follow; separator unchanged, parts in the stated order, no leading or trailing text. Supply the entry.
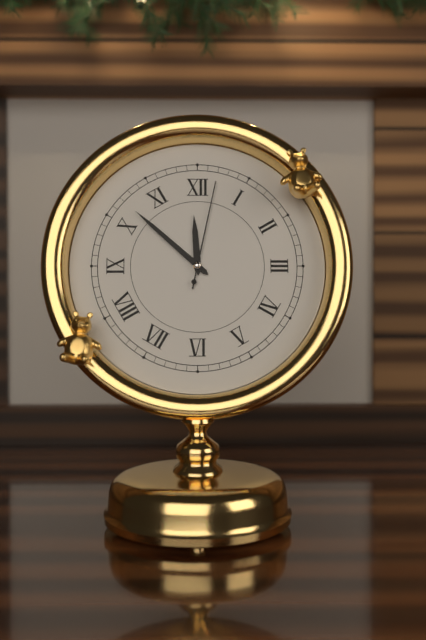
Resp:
11h52m02s
